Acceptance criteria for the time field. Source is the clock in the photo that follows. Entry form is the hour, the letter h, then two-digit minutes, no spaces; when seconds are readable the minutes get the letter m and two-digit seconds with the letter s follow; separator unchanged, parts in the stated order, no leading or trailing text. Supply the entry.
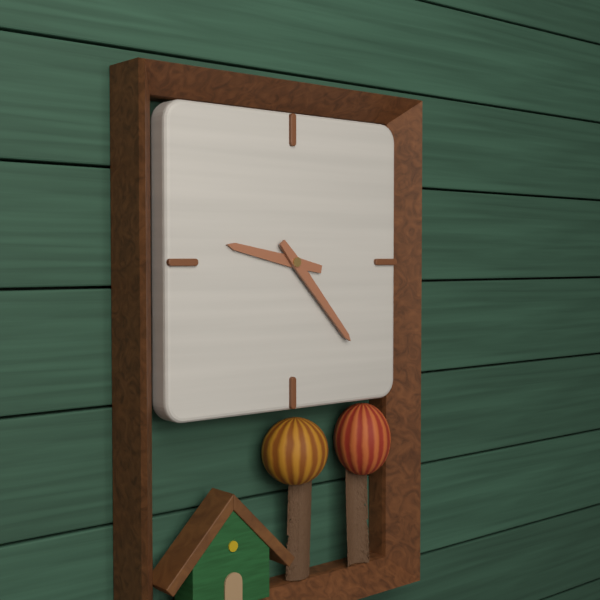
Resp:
9h23
